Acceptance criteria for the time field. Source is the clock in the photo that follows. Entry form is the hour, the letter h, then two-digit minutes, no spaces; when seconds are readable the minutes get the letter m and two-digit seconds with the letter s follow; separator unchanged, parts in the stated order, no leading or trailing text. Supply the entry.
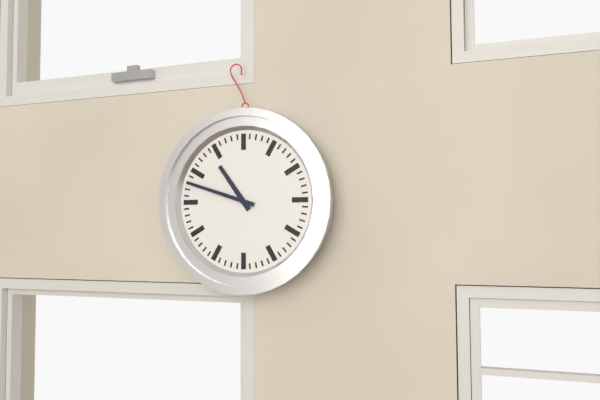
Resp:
10h48
